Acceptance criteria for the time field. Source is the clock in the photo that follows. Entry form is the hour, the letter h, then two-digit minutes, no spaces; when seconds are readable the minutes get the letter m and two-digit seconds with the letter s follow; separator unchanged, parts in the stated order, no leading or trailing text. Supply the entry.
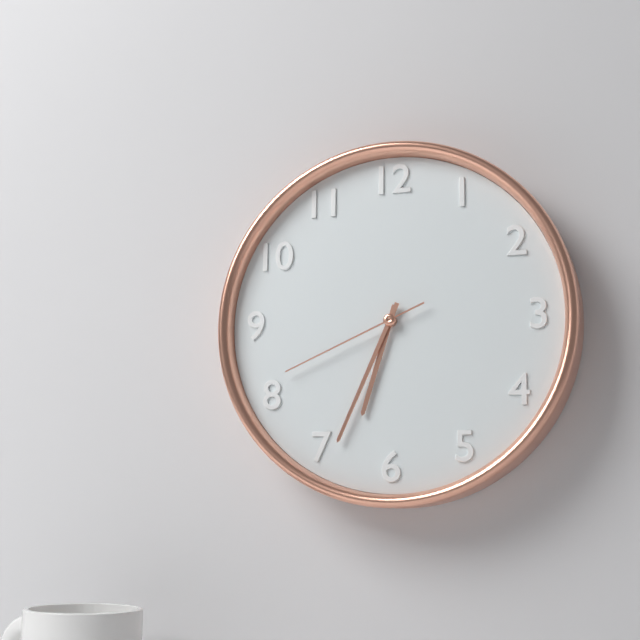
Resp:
6h34m41s
